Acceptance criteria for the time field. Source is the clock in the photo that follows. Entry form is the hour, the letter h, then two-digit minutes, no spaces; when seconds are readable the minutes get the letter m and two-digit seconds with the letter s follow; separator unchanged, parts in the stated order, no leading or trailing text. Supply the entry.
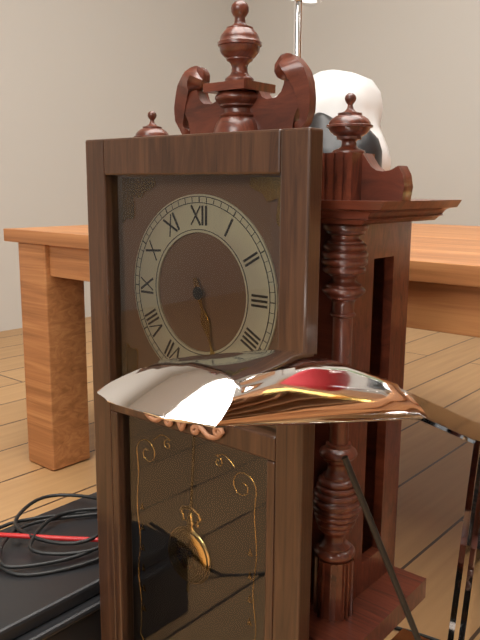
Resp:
5h27
